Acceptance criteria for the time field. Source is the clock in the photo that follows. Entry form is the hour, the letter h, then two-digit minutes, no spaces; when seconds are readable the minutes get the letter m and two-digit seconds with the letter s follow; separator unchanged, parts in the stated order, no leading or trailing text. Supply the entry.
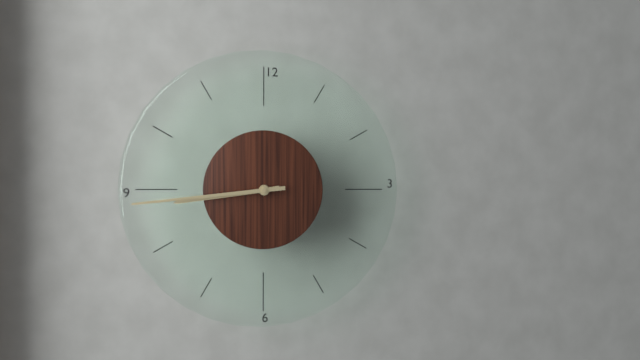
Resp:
8h44
